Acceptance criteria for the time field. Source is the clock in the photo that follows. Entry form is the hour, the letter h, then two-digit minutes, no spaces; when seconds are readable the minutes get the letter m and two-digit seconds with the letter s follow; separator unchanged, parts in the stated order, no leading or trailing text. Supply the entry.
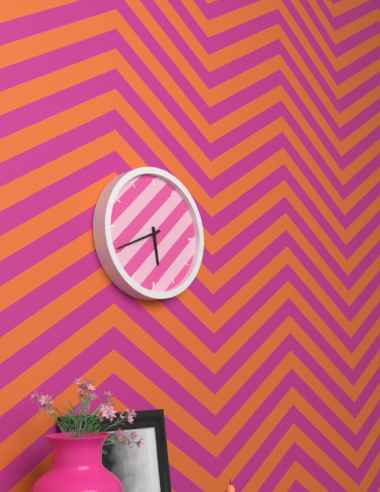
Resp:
5h41
